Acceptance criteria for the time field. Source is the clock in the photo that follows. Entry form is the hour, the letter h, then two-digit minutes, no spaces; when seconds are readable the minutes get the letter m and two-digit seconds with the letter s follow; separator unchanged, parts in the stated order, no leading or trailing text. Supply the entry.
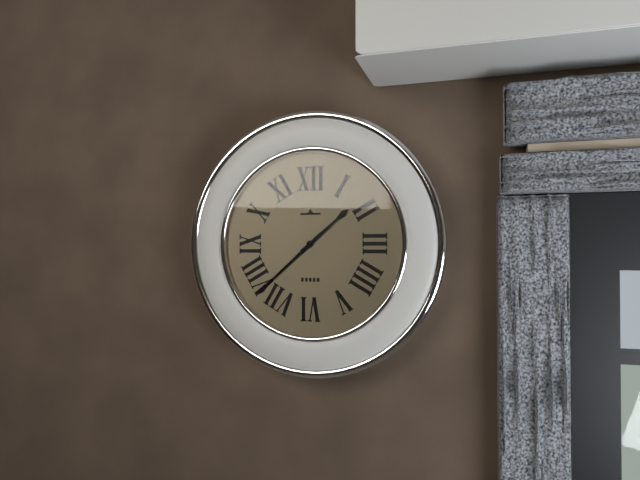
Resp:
1h38
